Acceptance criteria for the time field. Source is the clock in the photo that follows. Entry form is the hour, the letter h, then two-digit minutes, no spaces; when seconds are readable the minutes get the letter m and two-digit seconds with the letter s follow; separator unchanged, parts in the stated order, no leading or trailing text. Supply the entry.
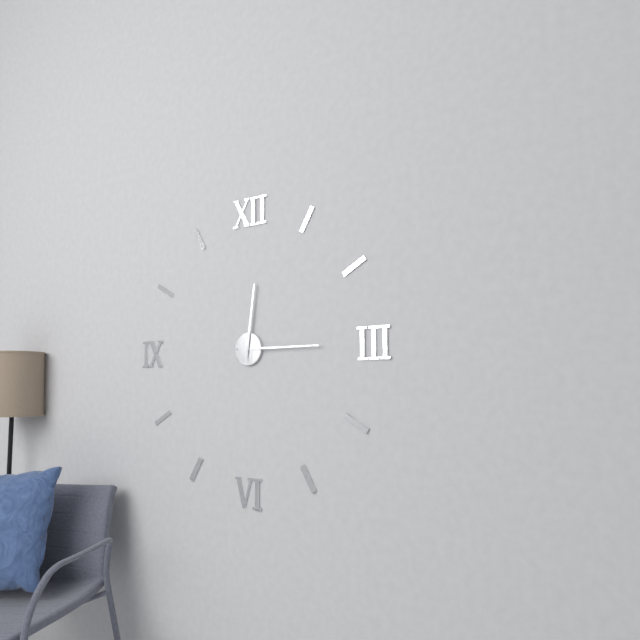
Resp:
12h15
